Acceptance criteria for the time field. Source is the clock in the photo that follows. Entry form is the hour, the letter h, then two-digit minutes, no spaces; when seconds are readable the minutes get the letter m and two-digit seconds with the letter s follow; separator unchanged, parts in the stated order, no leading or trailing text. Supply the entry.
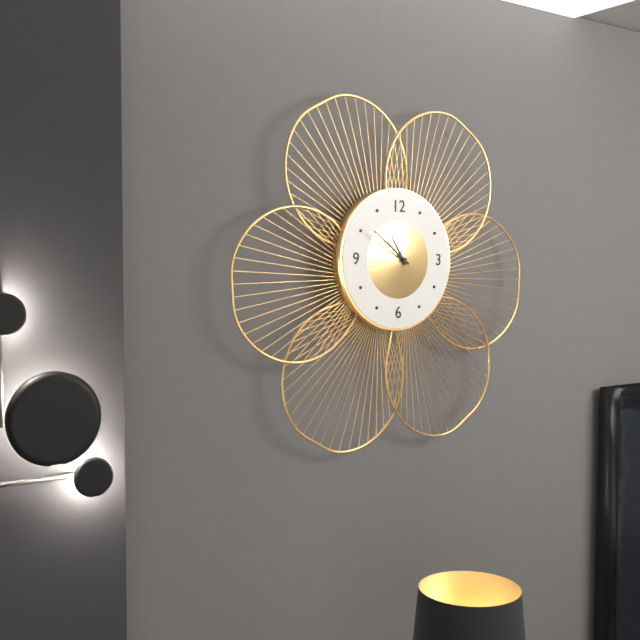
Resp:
10h51
